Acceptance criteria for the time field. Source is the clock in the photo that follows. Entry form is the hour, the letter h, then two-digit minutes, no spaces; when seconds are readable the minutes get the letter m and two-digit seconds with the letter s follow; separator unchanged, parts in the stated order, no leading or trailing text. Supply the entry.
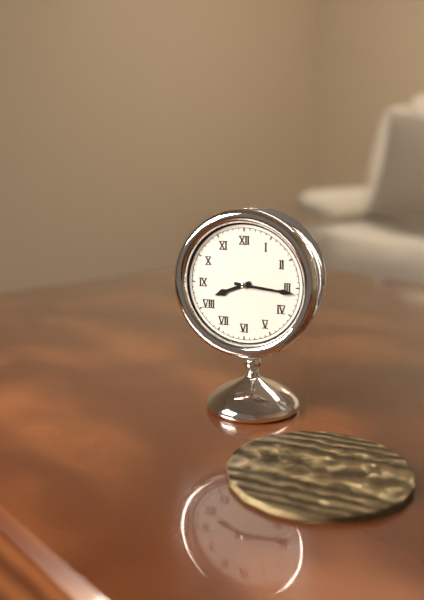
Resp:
8h16
